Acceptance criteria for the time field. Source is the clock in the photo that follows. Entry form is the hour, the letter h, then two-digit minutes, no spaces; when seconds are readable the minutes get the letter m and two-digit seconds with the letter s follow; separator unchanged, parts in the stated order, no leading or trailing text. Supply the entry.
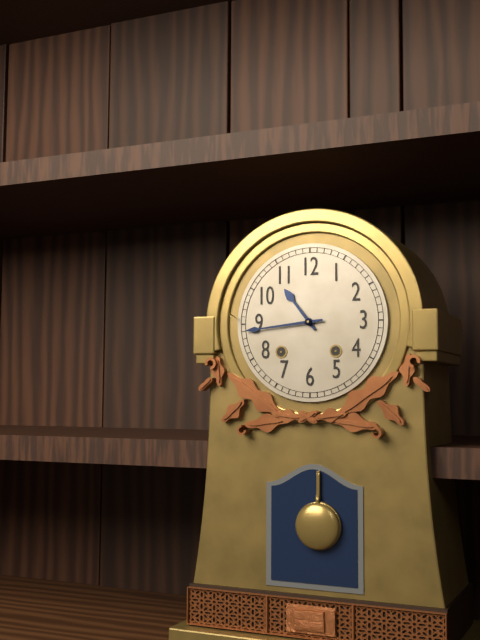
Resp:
10h44
